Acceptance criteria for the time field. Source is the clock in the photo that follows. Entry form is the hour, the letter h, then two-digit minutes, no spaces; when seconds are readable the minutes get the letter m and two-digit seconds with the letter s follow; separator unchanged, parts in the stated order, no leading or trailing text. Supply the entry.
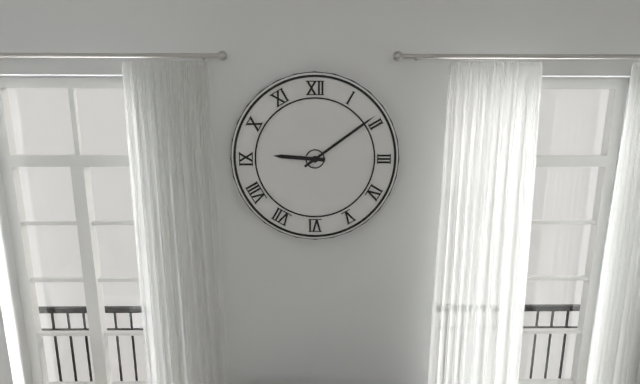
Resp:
9h09
